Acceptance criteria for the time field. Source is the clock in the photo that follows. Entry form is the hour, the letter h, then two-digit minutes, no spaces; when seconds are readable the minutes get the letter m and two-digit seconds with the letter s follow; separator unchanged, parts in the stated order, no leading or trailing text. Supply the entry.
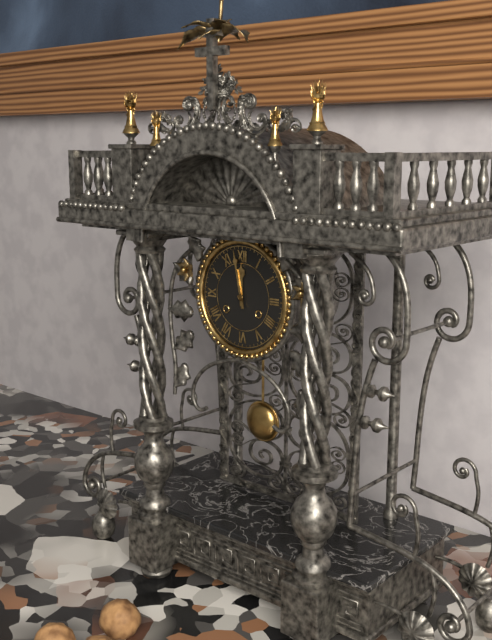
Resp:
11h58
